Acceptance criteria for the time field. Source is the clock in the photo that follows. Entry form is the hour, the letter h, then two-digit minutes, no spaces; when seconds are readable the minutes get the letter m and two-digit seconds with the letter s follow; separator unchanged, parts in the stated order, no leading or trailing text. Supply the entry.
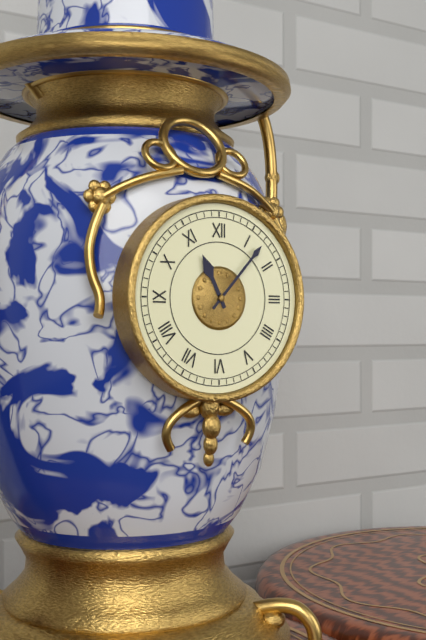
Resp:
11h07
